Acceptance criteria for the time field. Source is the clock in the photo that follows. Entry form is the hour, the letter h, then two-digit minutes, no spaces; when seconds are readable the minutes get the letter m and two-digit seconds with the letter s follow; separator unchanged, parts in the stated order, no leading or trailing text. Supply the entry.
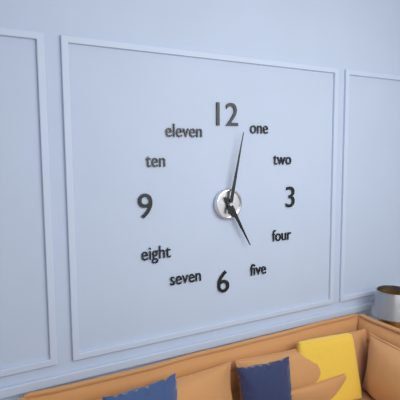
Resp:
5h02
